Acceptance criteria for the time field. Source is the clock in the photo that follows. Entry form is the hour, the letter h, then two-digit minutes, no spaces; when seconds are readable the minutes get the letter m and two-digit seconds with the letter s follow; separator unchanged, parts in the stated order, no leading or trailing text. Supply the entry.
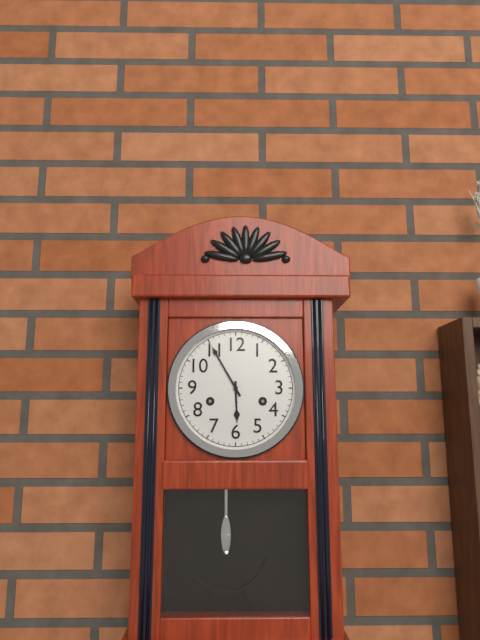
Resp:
5h55
